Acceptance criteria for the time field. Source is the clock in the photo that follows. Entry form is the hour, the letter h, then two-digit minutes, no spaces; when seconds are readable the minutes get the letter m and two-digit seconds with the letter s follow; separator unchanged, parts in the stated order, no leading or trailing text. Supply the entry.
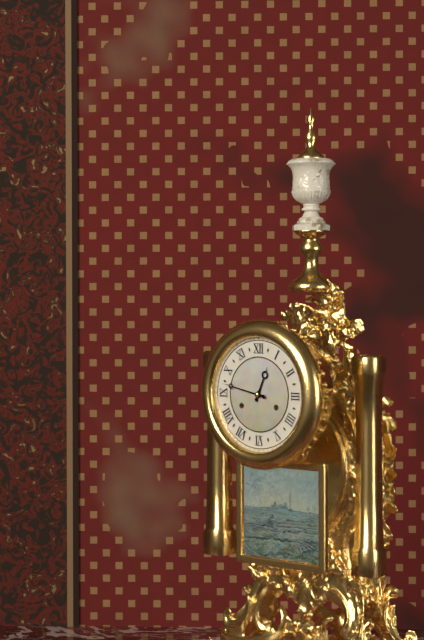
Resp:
12h47
